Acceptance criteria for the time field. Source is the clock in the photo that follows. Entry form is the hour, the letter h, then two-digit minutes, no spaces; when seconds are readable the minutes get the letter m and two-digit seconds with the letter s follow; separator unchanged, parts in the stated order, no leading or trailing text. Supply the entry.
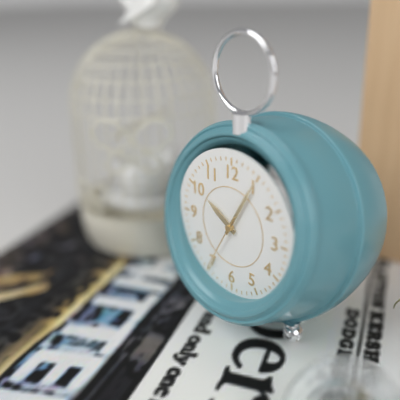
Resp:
10h05m35s
